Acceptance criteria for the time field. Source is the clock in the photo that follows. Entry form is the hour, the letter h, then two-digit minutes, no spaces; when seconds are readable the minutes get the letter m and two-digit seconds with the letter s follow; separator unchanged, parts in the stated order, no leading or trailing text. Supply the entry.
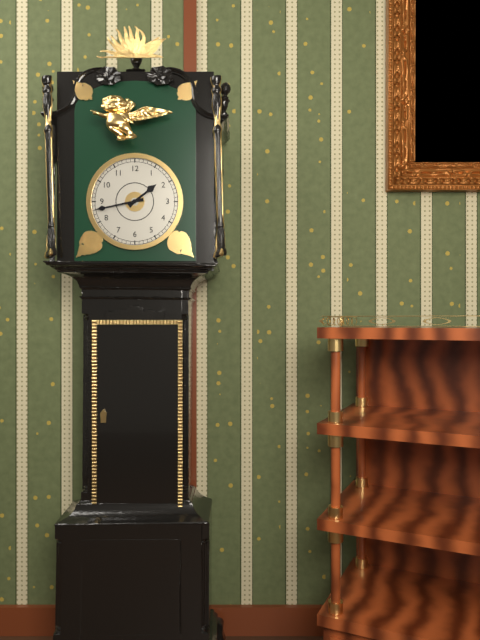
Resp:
1h43
